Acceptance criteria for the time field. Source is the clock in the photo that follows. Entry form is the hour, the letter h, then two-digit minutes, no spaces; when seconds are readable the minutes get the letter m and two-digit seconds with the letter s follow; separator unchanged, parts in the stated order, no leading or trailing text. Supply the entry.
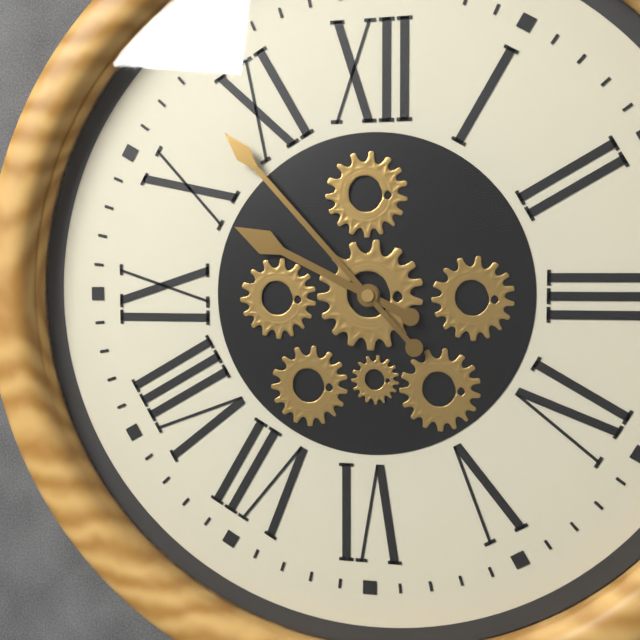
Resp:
9h53
